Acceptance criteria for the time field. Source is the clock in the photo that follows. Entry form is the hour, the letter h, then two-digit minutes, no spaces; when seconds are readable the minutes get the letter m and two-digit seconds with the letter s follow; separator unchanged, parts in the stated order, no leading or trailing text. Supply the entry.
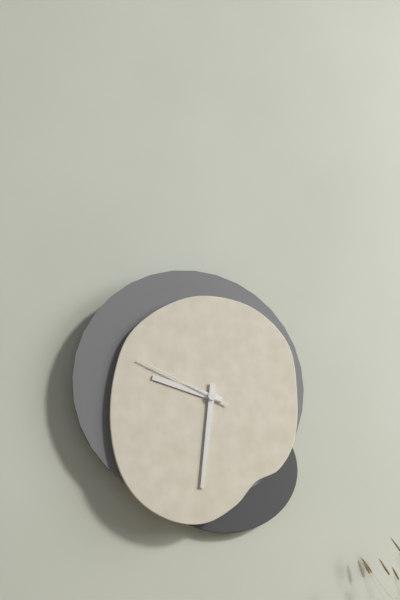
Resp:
9h31m49s
